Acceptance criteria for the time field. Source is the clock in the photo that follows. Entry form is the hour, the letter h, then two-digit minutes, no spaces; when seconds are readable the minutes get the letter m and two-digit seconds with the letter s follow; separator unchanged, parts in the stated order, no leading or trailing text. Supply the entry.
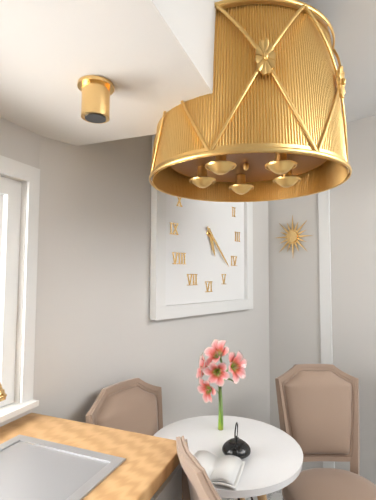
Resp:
5h23
